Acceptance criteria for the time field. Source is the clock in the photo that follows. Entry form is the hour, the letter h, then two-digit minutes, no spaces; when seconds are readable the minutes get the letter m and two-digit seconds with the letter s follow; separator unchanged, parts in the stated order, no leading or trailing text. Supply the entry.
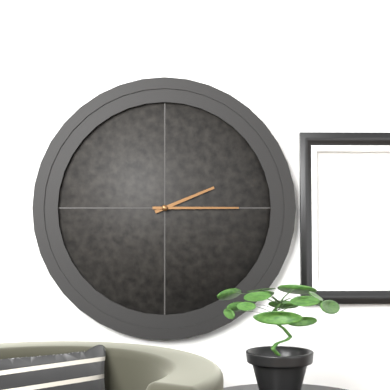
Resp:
2h15
